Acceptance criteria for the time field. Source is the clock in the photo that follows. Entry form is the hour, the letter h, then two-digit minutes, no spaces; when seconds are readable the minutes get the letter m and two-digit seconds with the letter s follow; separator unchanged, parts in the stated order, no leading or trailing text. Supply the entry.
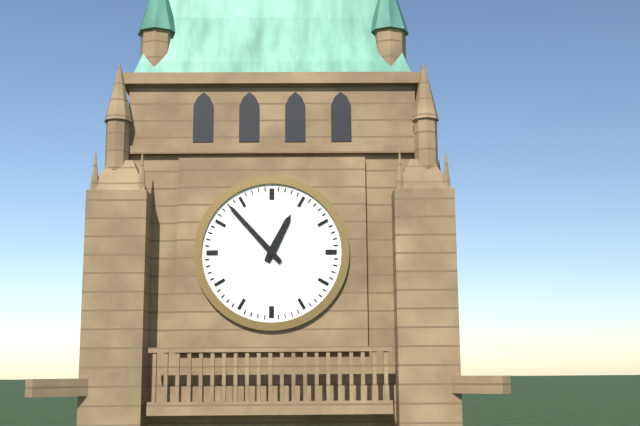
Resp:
12h53
